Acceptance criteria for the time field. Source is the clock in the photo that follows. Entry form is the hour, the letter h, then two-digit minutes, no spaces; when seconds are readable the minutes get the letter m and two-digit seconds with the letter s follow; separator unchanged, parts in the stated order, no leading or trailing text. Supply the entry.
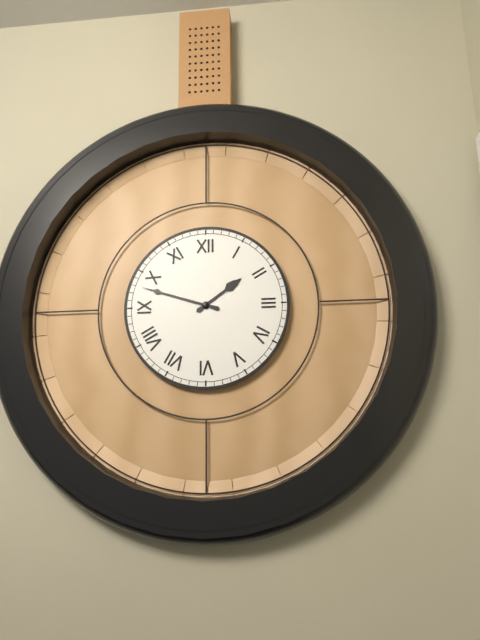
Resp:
1h48
